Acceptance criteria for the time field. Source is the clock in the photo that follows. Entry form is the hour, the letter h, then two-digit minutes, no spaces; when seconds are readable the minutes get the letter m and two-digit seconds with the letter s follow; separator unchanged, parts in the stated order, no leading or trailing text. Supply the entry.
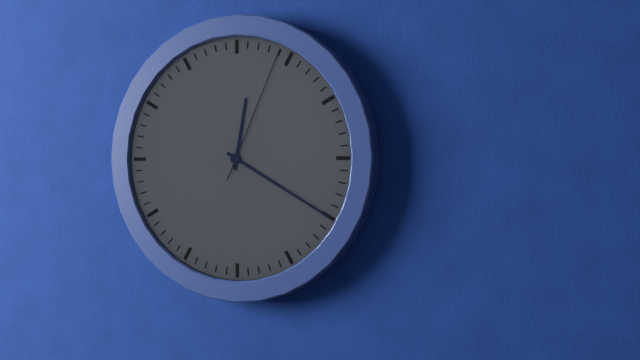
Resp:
12h20m04s
